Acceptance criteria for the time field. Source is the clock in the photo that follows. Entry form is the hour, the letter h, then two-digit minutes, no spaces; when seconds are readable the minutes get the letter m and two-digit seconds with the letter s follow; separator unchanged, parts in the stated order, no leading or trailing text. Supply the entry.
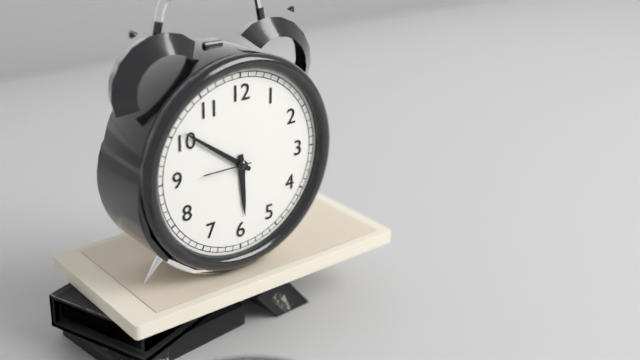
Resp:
5h51m45s
